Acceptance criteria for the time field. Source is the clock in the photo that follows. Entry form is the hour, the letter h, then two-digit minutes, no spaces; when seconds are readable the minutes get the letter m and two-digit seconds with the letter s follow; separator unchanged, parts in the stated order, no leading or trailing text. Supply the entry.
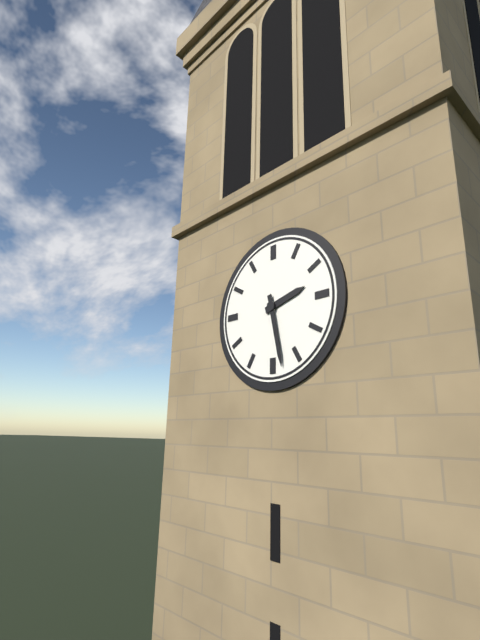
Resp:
2h28
